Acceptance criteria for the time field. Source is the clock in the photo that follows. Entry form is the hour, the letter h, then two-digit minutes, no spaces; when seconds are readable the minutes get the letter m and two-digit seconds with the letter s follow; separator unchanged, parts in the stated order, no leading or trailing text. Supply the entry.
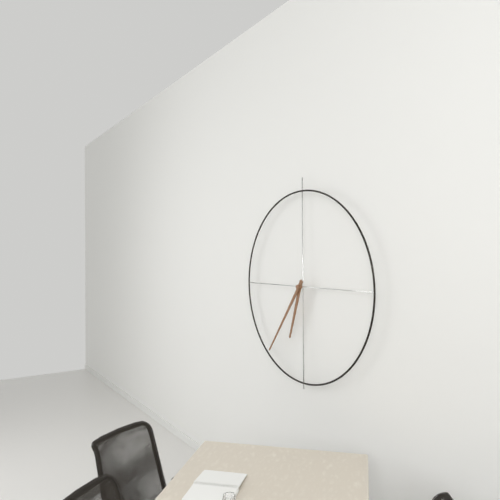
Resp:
6h36
